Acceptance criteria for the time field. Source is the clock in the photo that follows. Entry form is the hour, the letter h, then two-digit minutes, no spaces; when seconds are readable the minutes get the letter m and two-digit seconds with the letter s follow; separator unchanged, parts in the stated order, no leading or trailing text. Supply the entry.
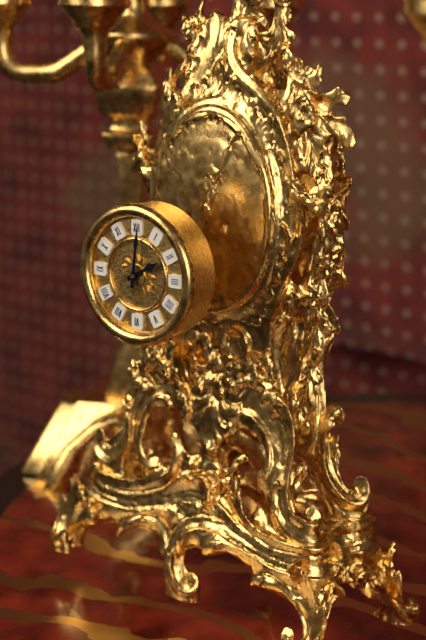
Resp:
2h01
